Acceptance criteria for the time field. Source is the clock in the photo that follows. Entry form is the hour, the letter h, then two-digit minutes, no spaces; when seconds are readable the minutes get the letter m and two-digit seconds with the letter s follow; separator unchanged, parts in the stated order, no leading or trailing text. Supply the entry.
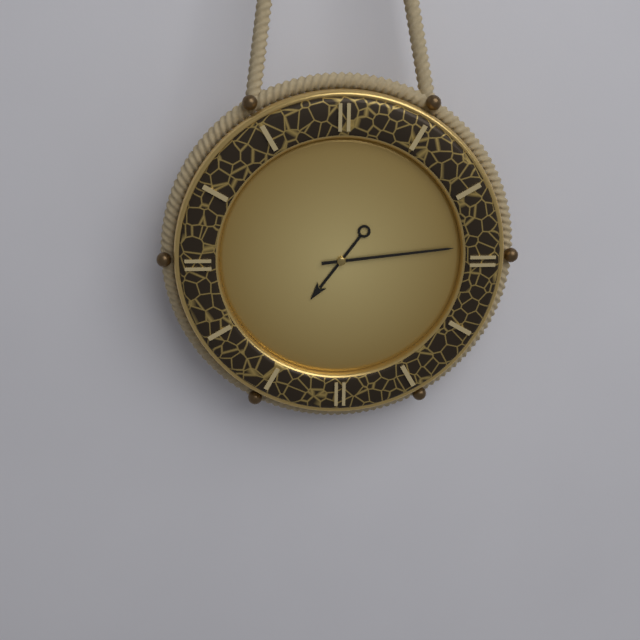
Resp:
7h14
